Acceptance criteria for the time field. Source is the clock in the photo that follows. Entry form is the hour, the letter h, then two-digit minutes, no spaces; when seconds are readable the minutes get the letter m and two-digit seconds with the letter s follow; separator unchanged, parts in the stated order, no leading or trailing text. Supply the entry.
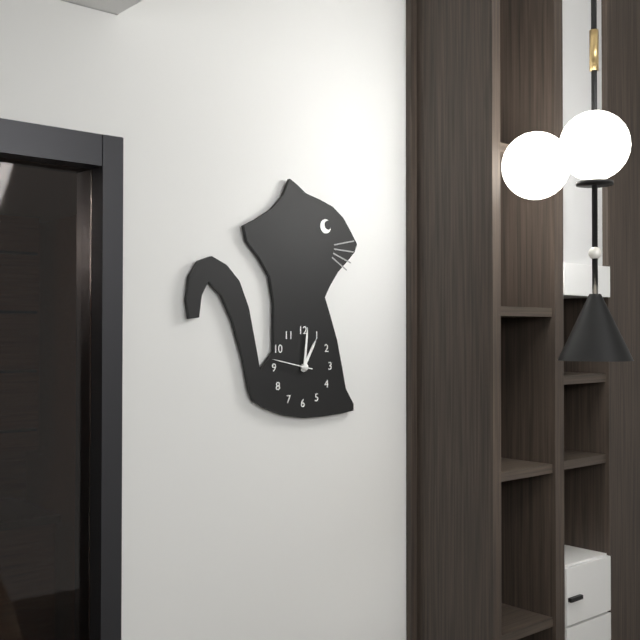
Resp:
1h01
